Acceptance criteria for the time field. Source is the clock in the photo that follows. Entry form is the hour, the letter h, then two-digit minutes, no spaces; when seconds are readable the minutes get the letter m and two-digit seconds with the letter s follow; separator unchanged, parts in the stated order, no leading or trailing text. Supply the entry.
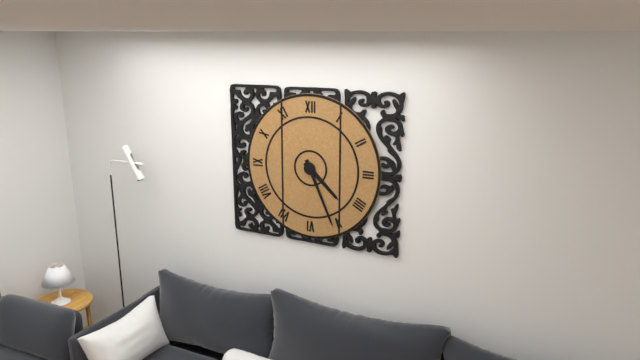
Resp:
4h26
